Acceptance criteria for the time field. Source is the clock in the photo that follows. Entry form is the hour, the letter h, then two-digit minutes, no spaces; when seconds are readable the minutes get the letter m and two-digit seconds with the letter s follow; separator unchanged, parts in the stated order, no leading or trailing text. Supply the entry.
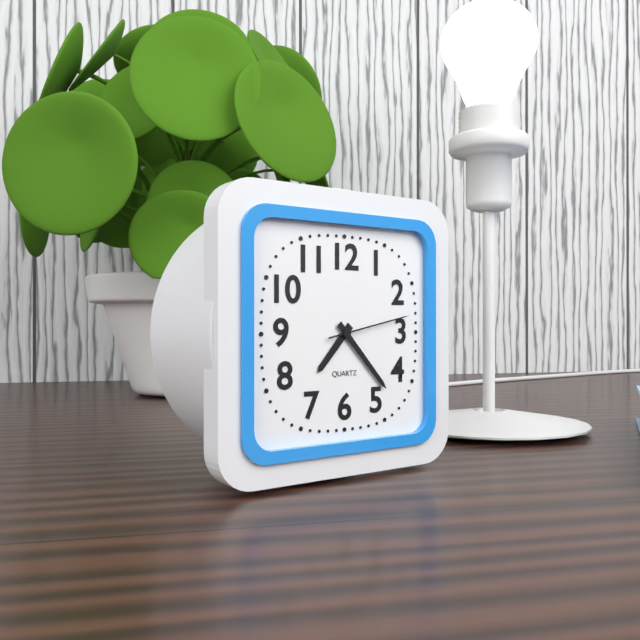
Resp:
7h23m13s
